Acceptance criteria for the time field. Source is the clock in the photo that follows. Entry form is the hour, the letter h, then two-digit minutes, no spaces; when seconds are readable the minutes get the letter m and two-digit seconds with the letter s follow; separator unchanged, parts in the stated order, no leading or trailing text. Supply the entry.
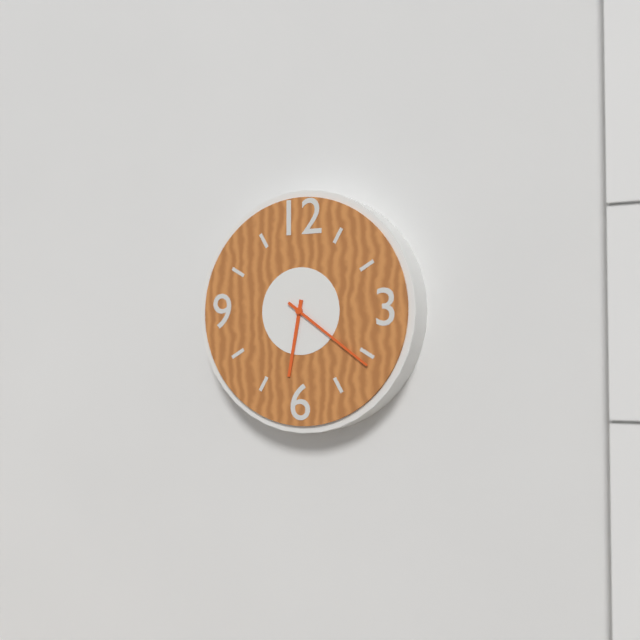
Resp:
6h21
